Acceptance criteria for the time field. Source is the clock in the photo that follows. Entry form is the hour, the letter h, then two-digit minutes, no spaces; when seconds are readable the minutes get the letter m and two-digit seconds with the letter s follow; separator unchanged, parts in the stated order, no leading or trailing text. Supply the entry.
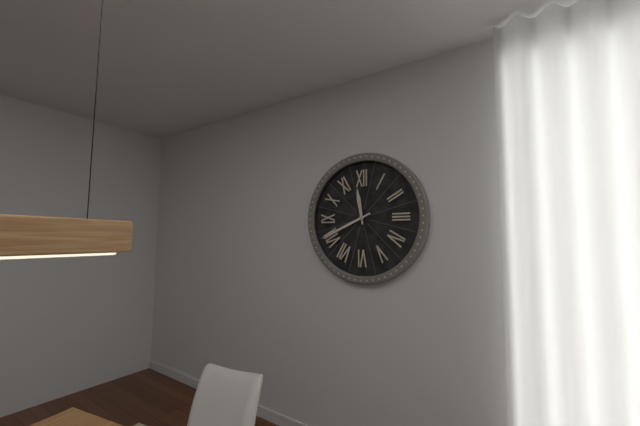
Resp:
11h41
